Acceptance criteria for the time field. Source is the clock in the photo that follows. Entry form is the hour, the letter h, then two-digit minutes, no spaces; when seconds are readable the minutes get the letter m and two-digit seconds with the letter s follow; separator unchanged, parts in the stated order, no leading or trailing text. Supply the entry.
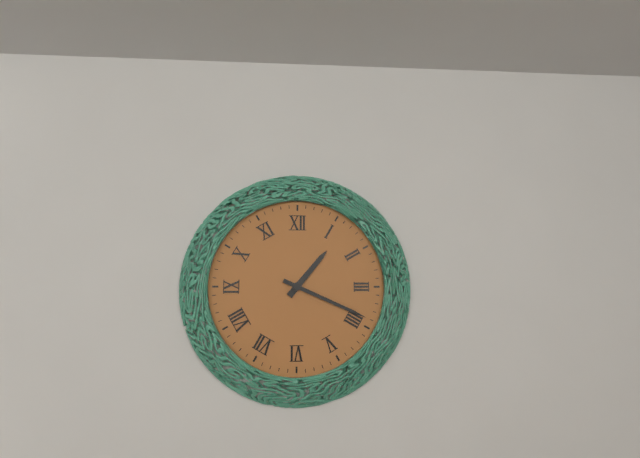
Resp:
1h19
